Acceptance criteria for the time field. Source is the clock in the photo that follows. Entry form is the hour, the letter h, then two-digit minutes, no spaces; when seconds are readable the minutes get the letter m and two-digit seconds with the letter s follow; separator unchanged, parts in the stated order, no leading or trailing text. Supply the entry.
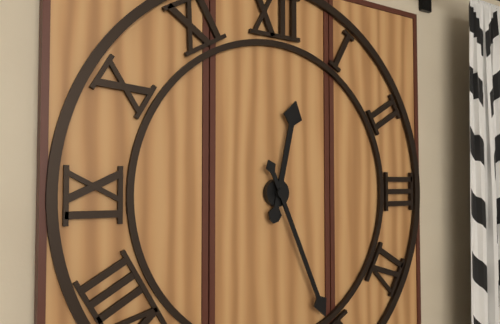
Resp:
12h26
